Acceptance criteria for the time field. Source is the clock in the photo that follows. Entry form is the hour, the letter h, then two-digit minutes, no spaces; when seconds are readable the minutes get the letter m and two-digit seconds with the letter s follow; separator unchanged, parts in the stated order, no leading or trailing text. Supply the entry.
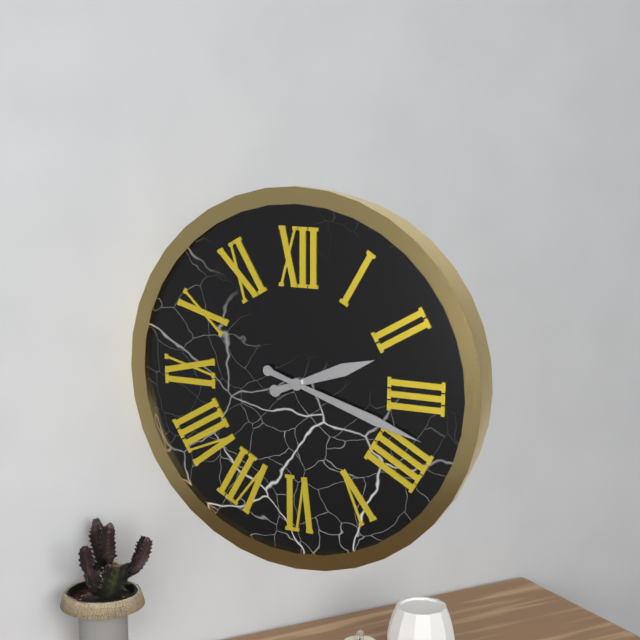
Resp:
2h18
